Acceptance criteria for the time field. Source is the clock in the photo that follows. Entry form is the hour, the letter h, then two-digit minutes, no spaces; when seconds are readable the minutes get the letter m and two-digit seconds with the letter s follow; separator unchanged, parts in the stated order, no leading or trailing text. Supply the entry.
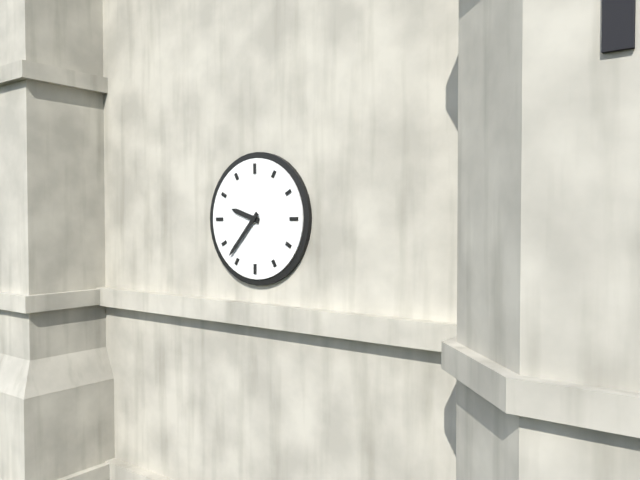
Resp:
9h37
